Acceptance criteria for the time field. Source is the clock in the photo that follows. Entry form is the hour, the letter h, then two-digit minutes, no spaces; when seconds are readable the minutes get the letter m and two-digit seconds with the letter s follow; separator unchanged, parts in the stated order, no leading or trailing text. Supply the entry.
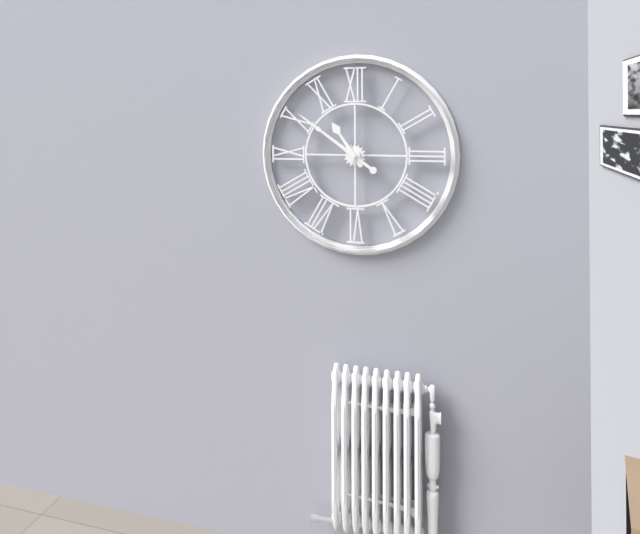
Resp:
10h51
